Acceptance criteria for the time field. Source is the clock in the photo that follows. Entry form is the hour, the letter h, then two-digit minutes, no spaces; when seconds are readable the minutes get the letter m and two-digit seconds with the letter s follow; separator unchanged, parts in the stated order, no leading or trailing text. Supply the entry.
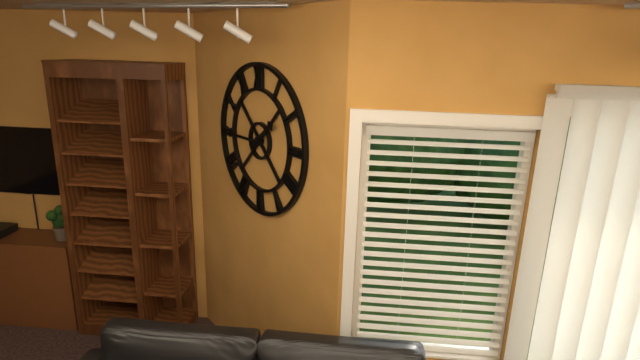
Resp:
1h45
